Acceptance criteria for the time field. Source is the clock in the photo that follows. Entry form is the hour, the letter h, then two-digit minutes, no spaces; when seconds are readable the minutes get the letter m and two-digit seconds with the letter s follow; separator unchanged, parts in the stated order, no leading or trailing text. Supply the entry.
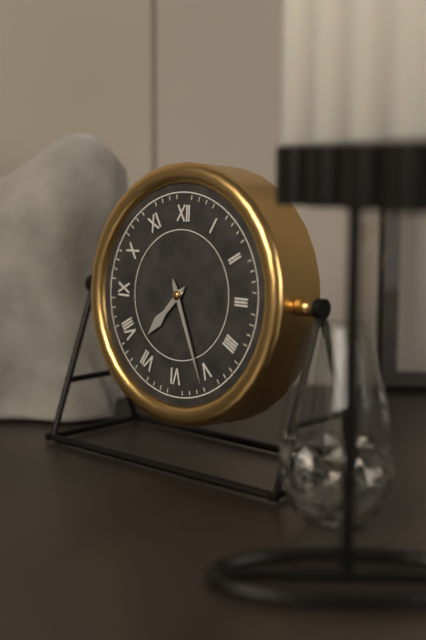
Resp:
7h26
